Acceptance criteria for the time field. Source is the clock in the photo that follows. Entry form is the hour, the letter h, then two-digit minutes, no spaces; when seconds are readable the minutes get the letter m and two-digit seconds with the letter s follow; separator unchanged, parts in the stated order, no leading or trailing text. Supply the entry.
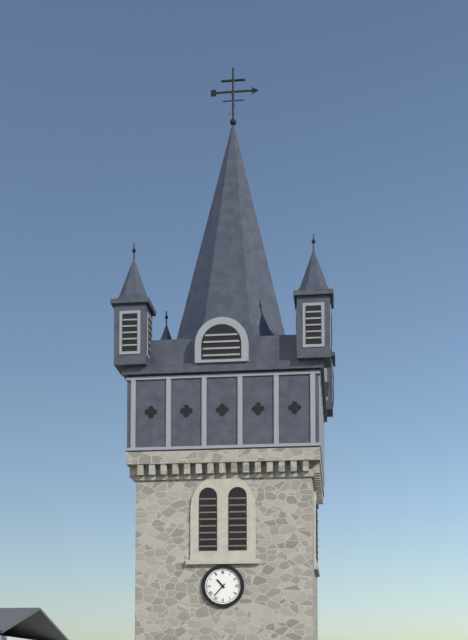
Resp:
10h37
